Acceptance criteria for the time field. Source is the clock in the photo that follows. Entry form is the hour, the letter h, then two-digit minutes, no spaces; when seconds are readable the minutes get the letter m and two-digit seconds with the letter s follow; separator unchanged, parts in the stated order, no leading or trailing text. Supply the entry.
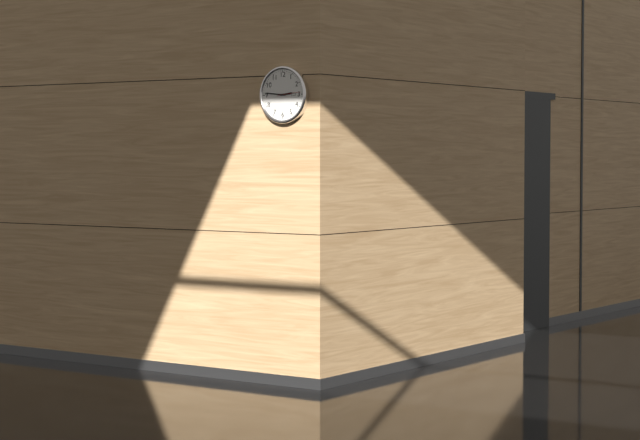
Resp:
2h46
